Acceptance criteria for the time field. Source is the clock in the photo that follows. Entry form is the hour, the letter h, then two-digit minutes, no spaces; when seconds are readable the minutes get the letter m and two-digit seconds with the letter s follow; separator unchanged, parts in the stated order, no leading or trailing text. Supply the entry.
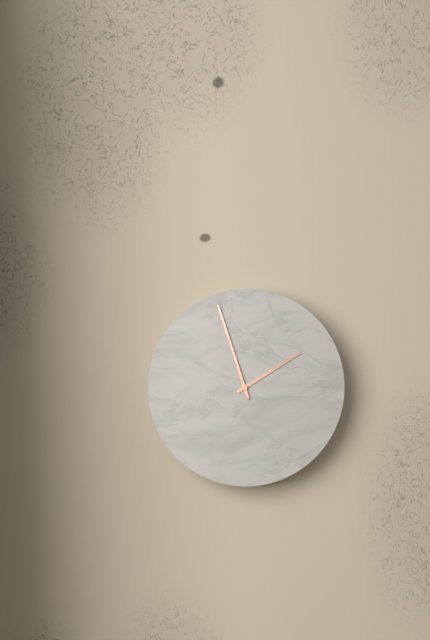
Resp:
1h57
